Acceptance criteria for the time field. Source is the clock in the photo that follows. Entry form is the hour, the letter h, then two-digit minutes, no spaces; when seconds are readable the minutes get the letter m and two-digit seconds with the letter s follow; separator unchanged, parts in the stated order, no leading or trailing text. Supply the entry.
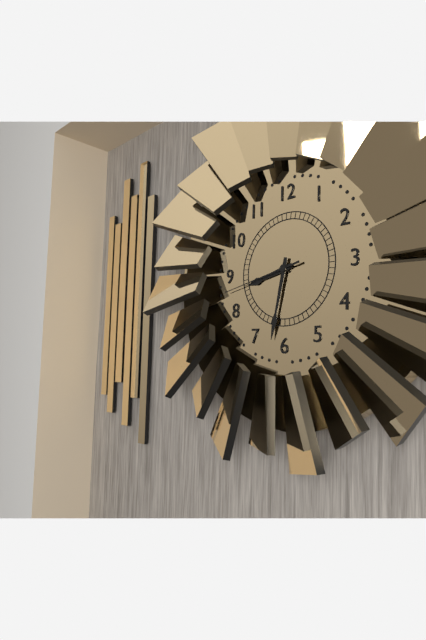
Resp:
8h32m43s
